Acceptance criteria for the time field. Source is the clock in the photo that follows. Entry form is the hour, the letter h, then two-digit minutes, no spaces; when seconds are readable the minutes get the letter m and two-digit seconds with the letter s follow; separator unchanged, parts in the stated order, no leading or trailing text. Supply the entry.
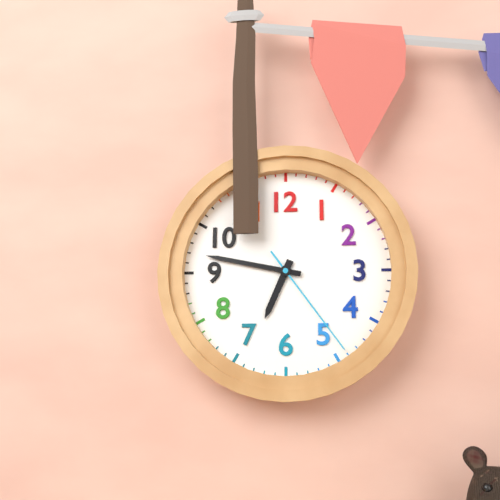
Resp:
6h47m24s
